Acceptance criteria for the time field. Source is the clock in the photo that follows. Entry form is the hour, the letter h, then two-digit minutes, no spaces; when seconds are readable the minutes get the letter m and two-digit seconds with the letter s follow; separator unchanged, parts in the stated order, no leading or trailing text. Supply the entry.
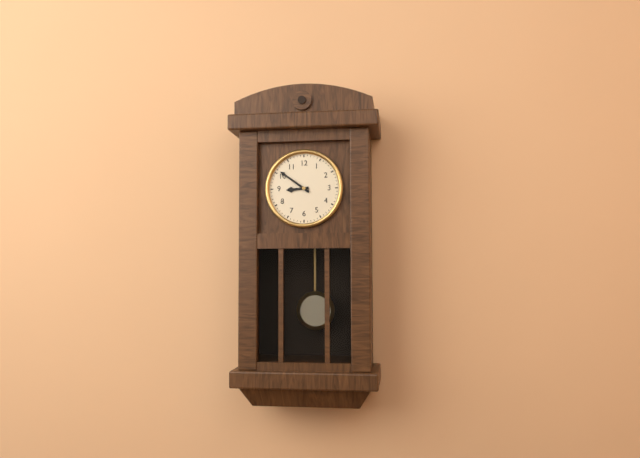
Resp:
8h51
